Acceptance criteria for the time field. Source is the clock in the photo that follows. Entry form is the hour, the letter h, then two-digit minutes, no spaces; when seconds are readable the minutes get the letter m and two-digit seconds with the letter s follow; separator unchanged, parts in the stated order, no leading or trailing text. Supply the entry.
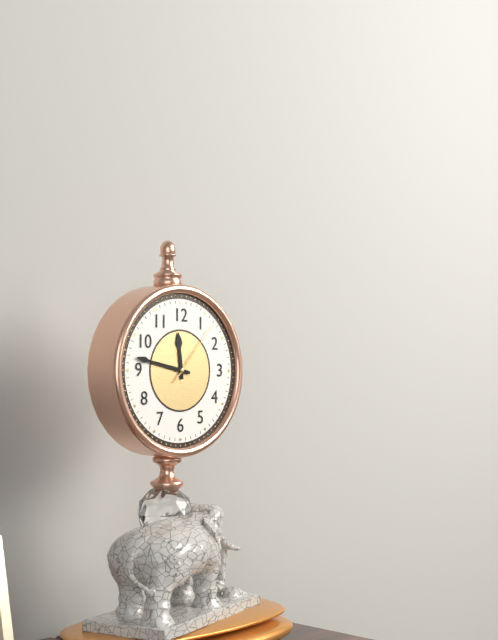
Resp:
11h47m07s
